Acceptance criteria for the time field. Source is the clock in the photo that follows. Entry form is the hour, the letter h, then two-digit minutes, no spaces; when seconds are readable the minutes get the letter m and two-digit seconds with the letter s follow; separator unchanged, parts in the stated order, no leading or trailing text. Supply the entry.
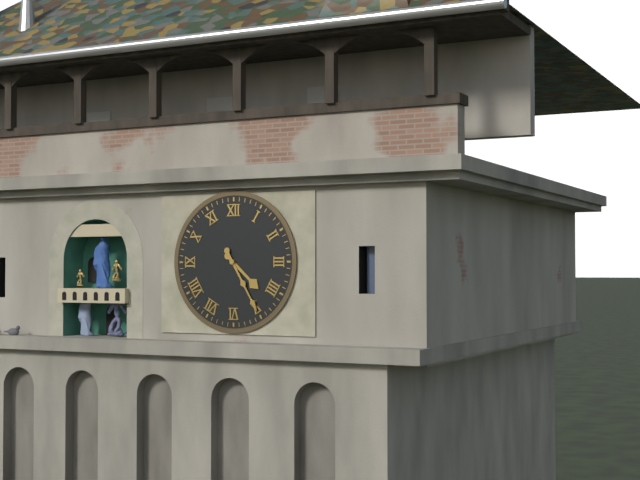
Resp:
4h25
